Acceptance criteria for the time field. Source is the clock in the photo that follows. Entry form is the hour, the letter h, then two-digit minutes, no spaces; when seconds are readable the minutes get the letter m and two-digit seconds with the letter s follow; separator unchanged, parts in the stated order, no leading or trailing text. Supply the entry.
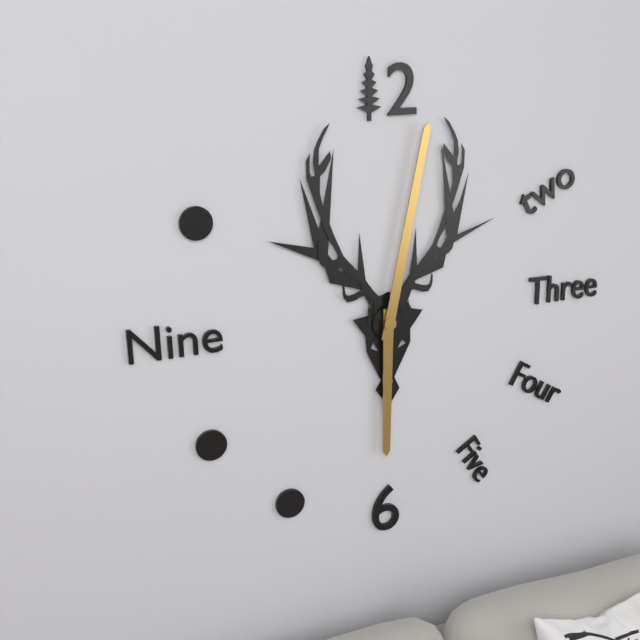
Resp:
6h02
